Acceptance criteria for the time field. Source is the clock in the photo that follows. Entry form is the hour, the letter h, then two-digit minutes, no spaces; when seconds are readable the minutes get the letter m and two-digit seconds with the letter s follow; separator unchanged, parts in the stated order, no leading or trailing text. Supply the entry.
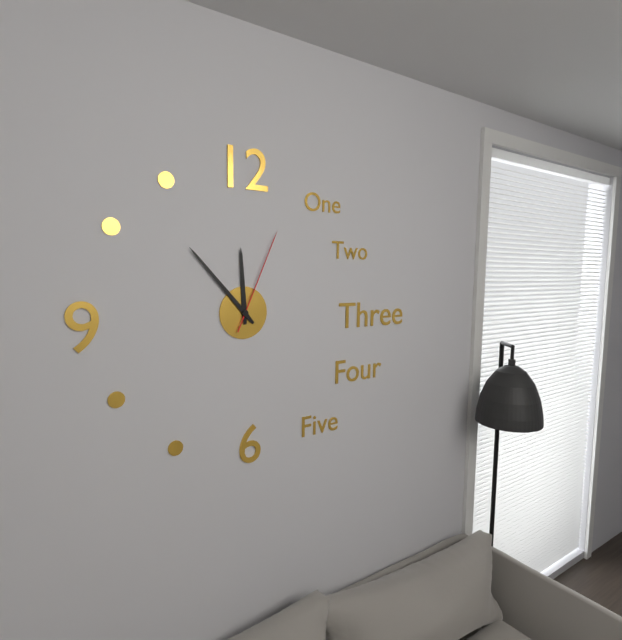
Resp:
11h53m04s
